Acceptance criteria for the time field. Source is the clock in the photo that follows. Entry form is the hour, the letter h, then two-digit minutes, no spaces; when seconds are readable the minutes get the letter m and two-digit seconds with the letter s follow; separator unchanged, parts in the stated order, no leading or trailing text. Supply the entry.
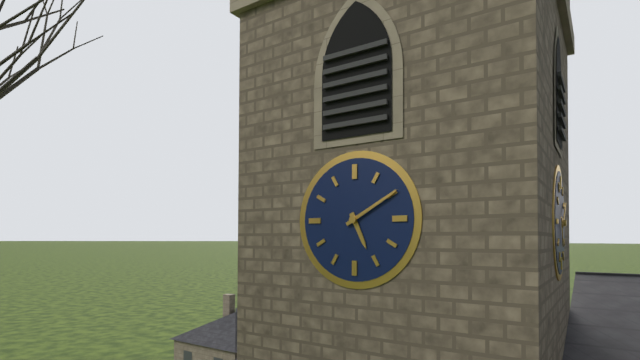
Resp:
5h10
